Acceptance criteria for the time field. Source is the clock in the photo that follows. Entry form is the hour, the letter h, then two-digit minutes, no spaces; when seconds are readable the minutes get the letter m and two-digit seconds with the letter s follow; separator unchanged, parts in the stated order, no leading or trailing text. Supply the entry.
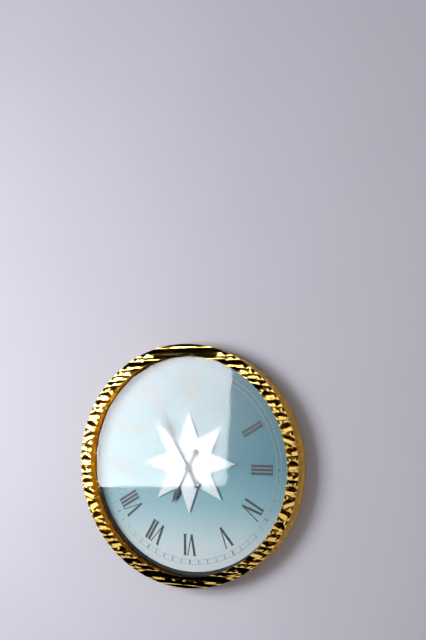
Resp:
6h55m56s
